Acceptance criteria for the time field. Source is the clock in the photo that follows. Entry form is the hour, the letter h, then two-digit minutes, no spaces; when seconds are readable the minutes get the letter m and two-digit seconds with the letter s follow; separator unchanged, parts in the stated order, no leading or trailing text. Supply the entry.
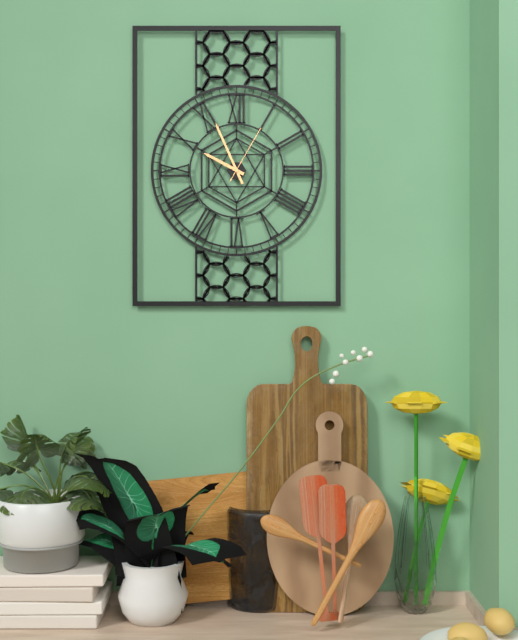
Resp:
9h56m05s
